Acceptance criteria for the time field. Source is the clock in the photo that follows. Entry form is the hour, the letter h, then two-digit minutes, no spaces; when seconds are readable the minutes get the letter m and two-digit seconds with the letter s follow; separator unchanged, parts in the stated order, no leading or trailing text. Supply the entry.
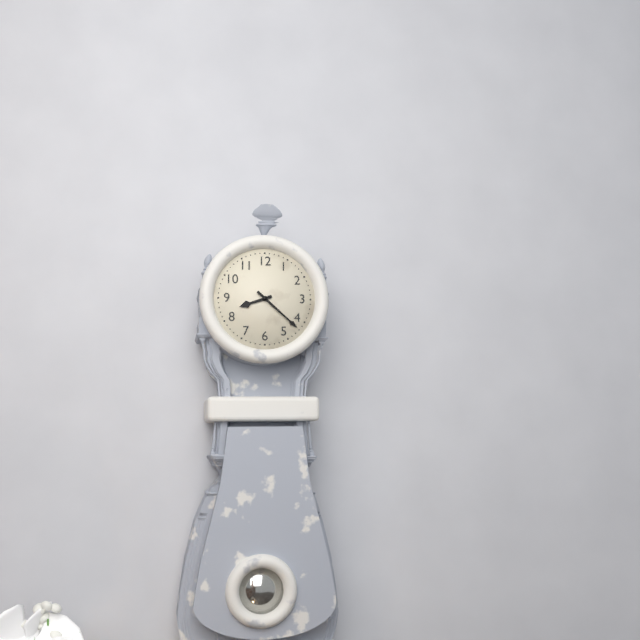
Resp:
8h22
